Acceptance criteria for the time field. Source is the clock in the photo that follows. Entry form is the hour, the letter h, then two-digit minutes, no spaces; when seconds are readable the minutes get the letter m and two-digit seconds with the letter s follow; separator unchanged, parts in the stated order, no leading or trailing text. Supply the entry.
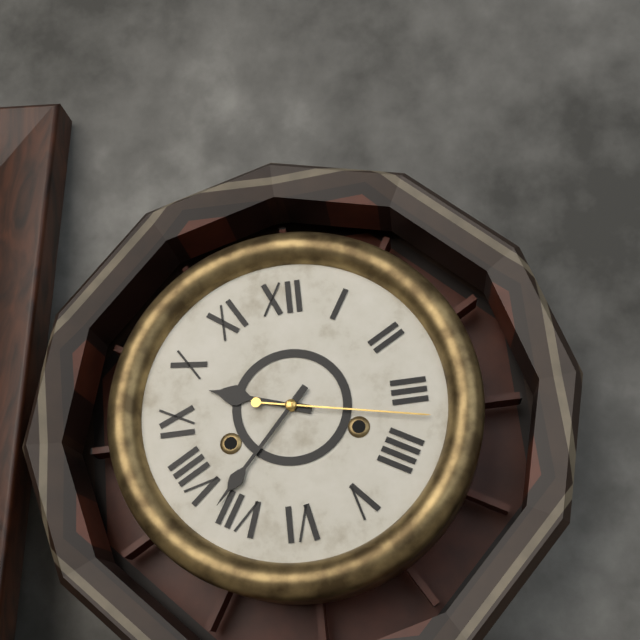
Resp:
9h37m17s
